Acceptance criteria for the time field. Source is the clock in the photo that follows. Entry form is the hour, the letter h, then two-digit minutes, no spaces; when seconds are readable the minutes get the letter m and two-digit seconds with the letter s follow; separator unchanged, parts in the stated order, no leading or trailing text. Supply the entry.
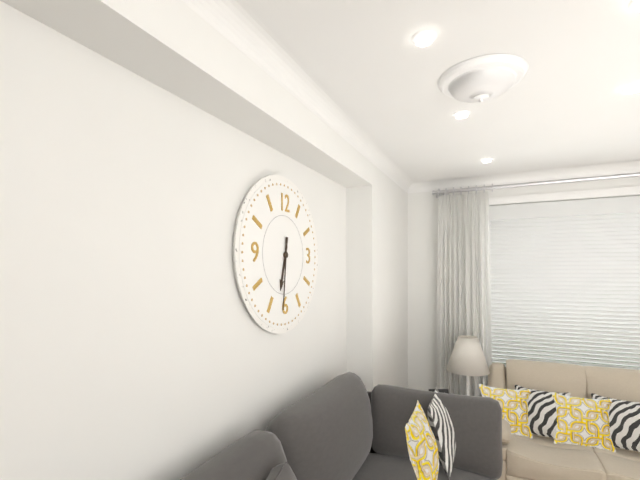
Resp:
6h31
